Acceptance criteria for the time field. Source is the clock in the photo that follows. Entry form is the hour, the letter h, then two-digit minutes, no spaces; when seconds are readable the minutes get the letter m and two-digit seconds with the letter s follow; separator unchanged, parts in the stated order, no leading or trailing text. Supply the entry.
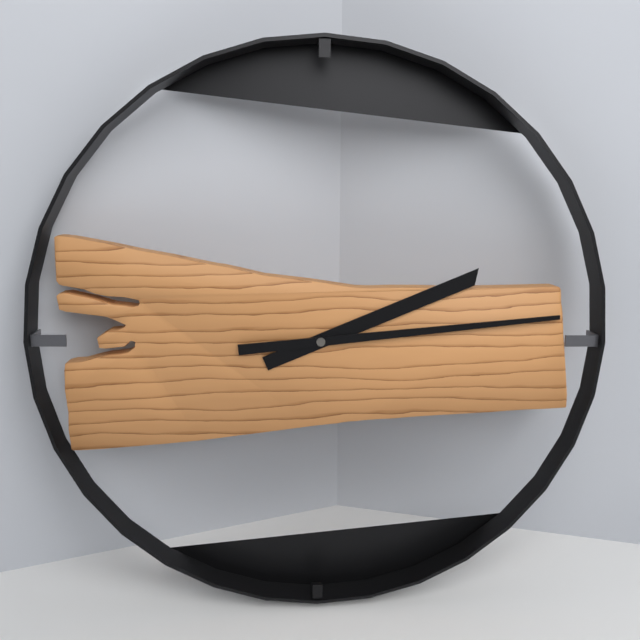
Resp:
2h14
